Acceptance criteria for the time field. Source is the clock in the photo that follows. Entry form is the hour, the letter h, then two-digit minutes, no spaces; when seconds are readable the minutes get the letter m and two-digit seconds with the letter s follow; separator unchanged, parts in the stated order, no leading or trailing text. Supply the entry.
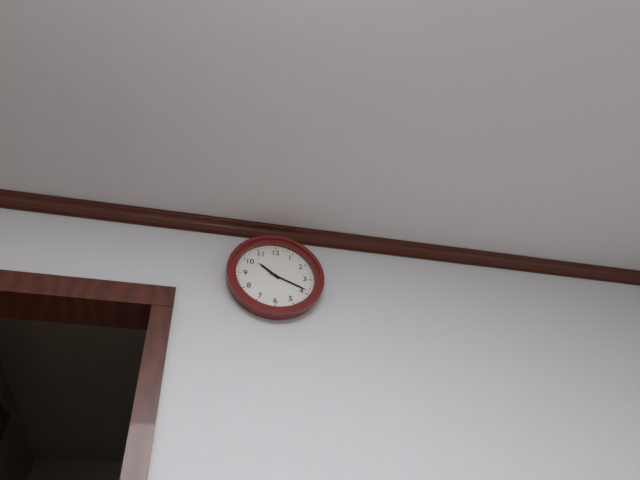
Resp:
10h19
